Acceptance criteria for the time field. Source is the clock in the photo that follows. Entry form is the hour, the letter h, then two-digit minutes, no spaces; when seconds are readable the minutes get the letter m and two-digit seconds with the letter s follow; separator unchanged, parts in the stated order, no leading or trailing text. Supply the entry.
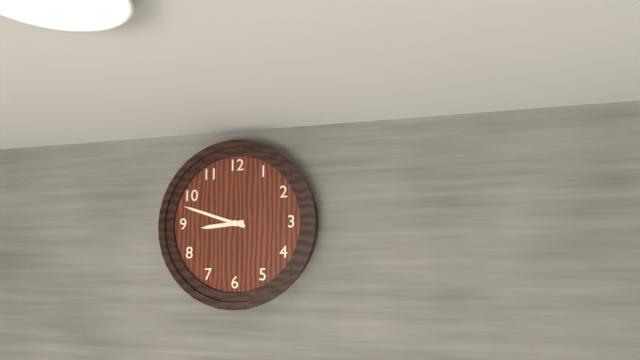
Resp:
8h48
